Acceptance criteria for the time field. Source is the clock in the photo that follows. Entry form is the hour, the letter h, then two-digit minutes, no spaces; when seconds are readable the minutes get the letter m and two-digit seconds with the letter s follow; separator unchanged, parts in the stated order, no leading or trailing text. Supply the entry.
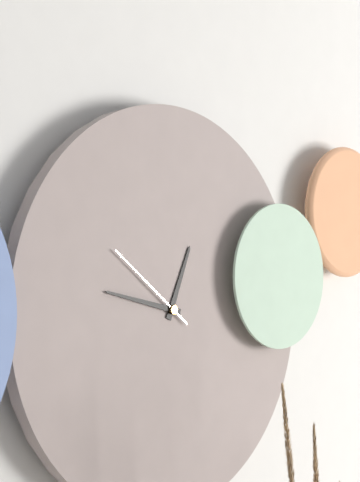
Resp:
12h47m51s
